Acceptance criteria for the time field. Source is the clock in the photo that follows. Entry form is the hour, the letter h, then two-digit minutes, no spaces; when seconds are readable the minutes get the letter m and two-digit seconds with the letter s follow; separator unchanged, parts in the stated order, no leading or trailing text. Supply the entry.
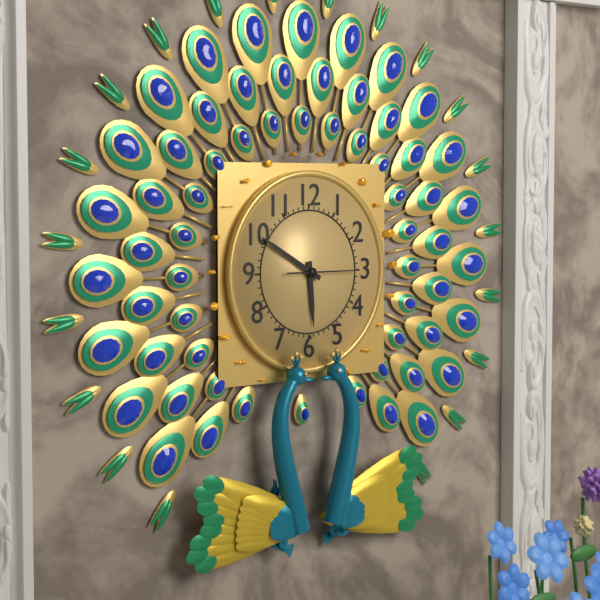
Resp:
5h50m15s
